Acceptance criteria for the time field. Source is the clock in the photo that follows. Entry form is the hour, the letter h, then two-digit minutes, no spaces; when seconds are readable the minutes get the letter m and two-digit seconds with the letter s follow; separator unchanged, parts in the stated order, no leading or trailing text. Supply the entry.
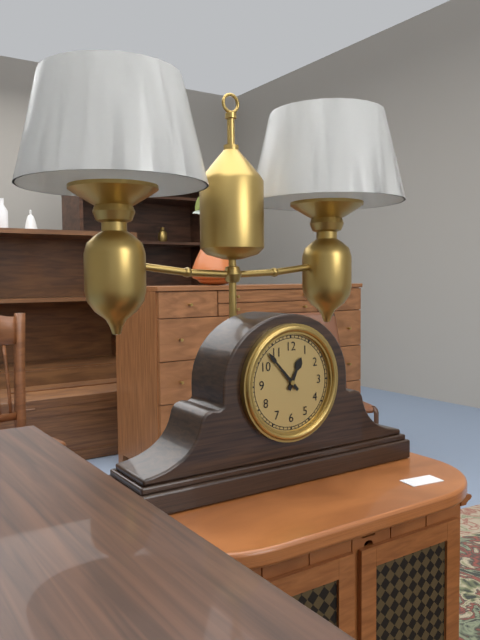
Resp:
12h53
